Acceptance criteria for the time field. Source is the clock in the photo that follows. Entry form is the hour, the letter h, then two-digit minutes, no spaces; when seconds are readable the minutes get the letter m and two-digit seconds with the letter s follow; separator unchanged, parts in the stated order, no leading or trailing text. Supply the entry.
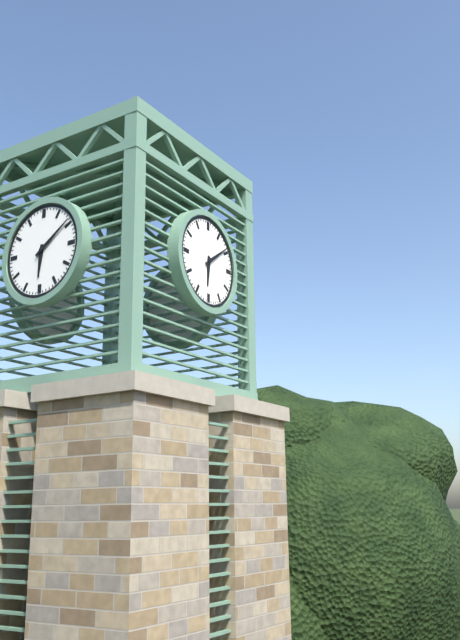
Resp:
6h09
